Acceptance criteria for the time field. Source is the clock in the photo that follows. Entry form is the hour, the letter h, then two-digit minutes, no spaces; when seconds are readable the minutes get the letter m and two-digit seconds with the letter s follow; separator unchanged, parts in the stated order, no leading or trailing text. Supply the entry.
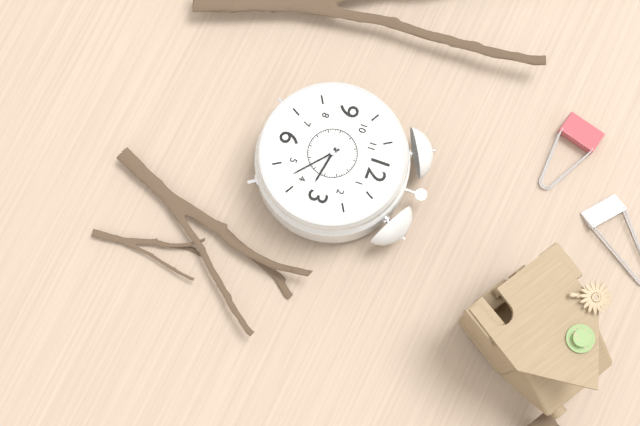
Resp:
3h22
